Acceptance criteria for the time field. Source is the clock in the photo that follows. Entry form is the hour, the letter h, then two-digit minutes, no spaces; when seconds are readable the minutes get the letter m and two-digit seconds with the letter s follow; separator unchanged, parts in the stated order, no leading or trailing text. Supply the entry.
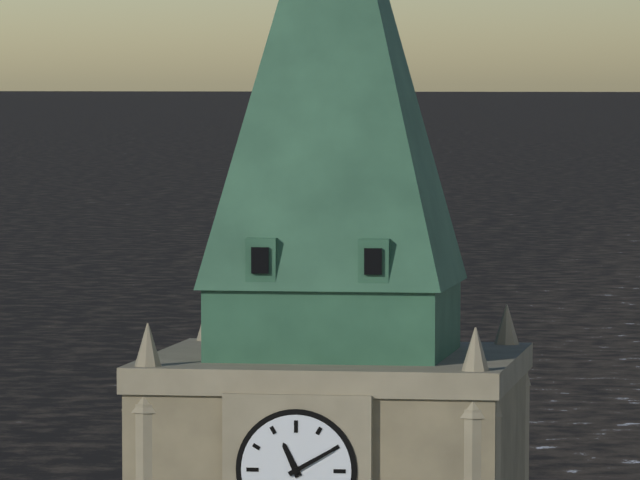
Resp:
11h10
